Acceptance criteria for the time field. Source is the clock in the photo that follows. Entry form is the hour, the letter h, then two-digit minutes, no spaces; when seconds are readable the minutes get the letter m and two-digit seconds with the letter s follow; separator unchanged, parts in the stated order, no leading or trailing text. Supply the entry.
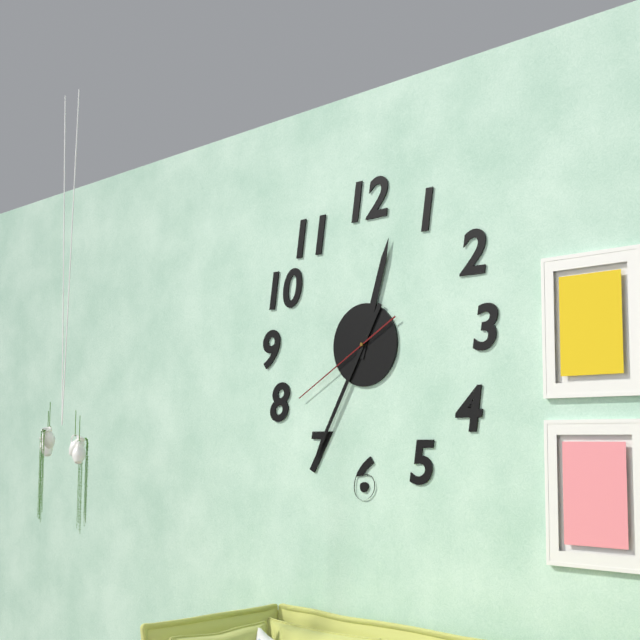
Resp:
12h35m40s
